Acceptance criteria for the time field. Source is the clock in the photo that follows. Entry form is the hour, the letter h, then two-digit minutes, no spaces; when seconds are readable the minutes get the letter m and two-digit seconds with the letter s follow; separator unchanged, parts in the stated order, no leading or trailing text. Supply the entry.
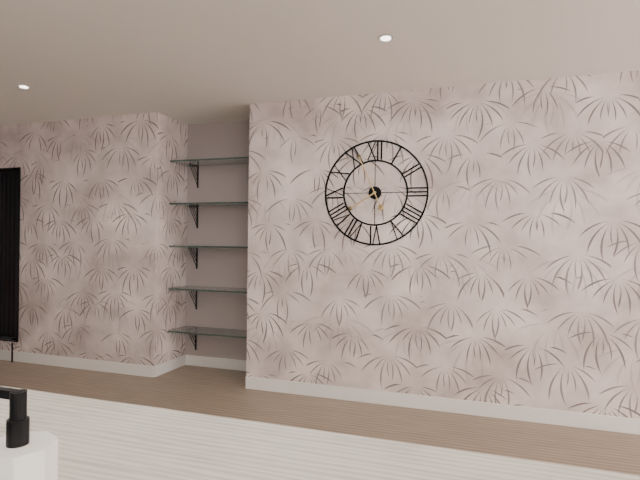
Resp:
7h56
